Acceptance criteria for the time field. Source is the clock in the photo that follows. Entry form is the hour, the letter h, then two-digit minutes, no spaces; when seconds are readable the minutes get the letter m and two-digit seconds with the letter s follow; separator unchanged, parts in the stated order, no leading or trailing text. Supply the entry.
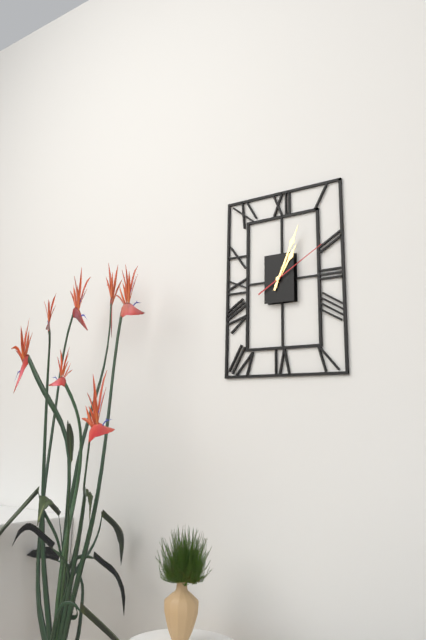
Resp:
1h04m10s
